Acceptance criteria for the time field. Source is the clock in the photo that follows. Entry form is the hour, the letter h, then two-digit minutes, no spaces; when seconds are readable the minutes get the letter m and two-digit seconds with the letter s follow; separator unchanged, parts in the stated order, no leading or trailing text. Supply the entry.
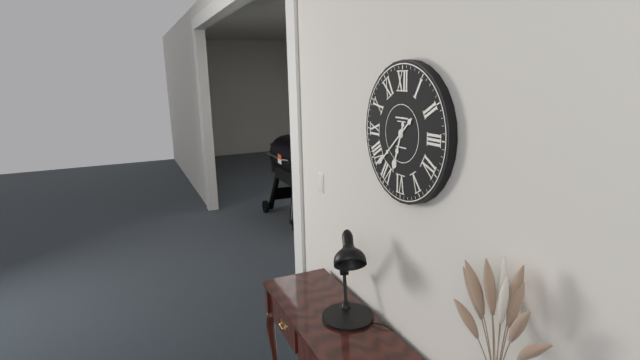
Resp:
6h38
